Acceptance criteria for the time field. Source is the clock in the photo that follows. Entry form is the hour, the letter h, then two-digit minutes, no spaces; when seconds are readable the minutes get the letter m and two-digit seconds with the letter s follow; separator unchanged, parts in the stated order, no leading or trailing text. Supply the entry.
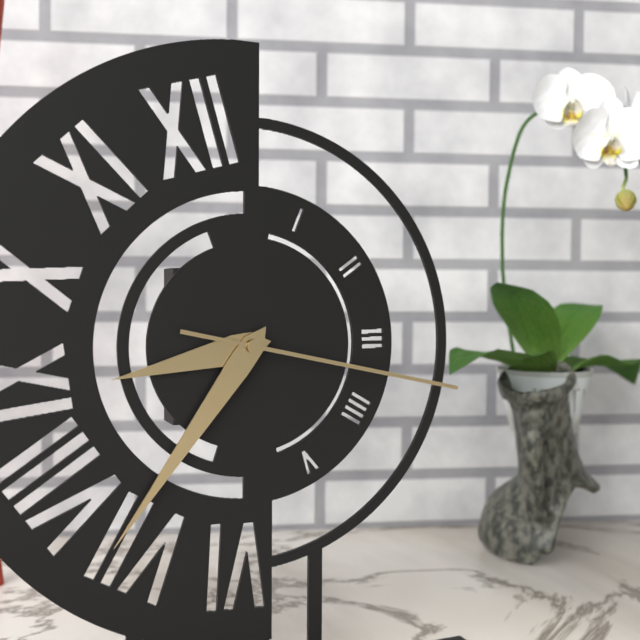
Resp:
8h36m17s
